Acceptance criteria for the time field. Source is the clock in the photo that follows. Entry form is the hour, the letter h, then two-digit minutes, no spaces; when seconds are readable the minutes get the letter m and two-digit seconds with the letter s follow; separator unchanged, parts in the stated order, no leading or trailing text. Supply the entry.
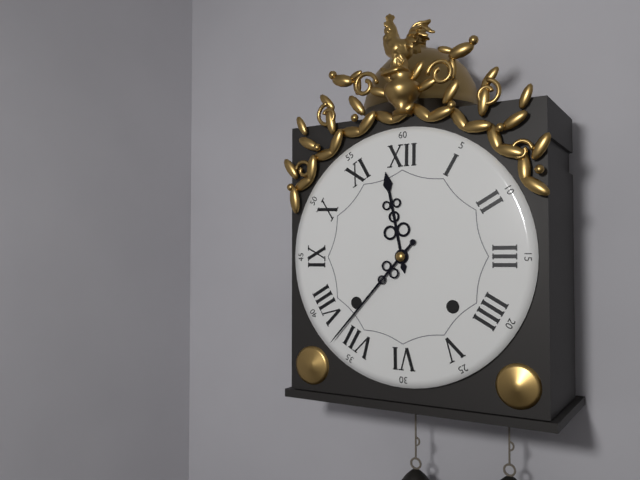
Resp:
11h37
